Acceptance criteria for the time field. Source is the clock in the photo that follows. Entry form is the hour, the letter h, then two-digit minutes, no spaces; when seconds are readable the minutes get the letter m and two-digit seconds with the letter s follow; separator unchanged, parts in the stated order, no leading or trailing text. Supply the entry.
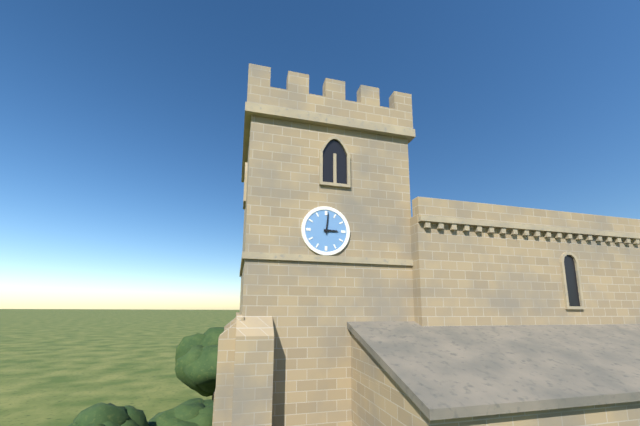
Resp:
3h01
